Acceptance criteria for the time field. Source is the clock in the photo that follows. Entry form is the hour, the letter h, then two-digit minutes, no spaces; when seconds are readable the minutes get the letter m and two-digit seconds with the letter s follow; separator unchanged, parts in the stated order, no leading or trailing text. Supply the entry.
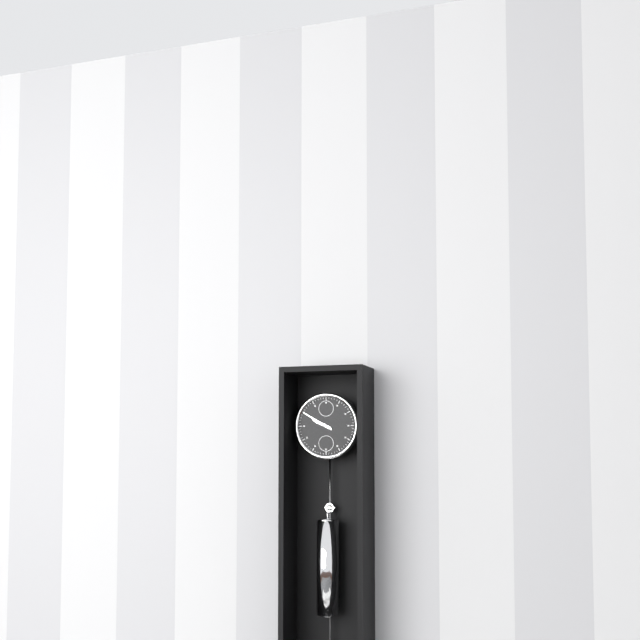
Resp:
9h50
